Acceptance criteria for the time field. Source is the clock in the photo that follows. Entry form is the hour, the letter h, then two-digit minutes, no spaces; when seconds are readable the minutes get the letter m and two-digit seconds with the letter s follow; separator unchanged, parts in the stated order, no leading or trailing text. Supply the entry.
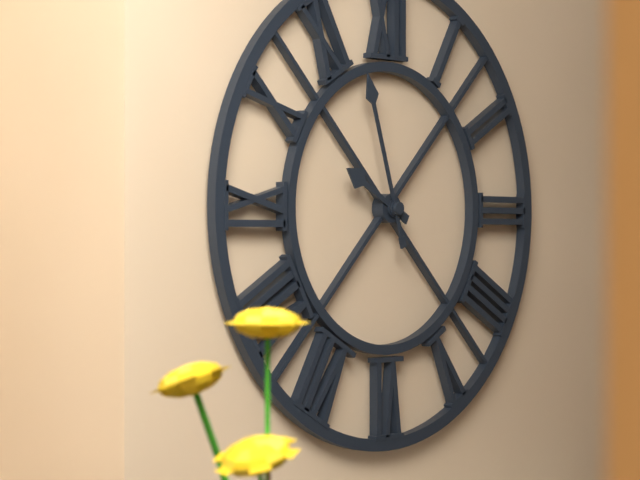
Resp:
9h57
